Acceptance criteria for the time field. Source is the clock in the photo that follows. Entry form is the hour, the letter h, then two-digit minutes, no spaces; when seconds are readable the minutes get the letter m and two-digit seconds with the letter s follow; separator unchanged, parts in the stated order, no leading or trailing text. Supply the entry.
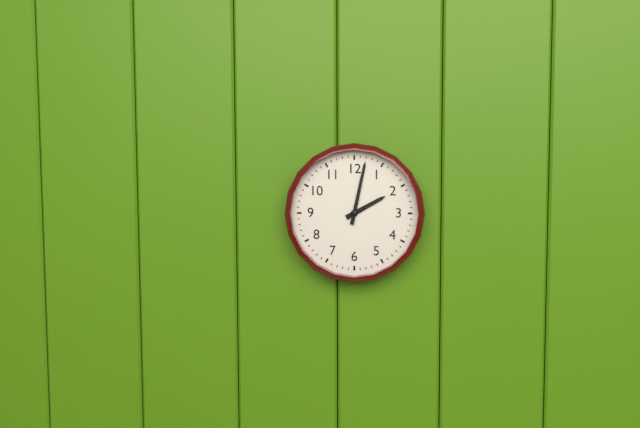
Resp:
2h02
